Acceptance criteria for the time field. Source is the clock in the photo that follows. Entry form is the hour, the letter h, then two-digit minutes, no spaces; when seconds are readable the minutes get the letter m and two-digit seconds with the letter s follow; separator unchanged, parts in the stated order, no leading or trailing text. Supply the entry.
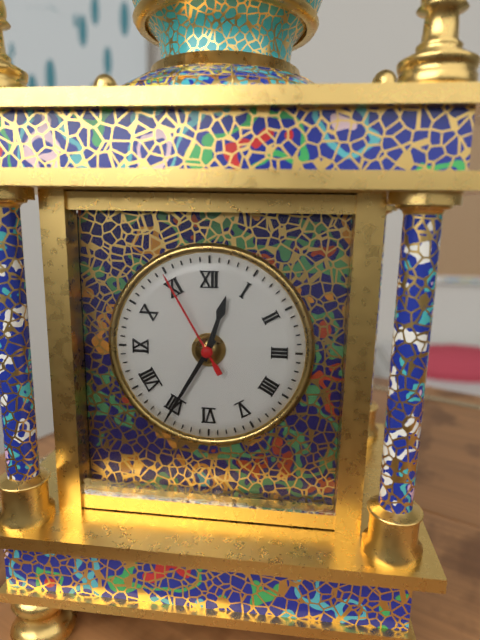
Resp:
12h35m55s
